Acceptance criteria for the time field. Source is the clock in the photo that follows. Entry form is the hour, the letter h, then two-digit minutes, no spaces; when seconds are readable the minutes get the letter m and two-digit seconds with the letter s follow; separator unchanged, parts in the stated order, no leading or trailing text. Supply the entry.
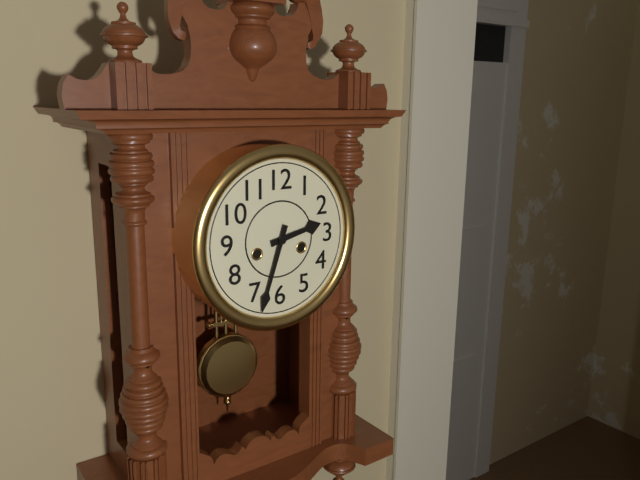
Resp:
2h33
